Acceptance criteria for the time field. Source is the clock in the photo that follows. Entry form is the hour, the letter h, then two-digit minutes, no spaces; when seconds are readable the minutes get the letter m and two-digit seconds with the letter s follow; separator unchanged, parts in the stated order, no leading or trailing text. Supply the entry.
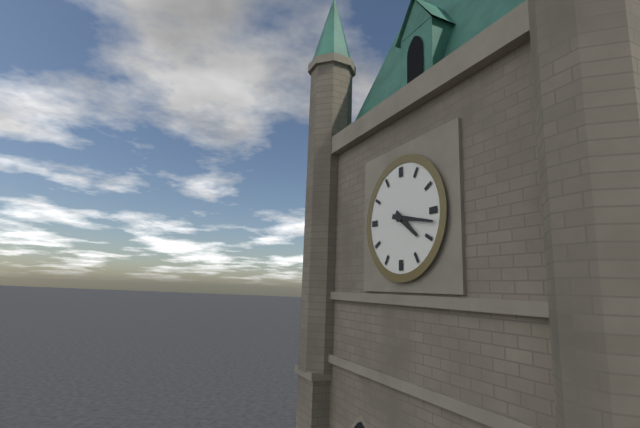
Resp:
4h17
